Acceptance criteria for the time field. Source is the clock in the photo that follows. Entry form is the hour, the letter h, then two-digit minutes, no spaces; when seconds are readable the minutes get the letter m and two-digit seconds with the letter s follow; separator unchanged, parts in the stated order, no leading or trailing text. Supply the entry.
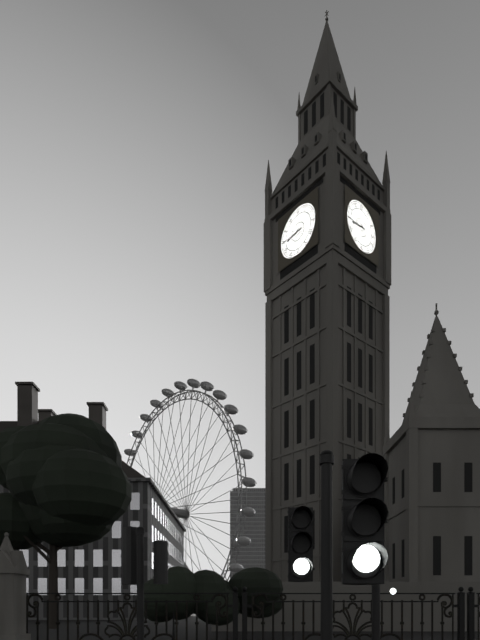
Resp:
8h45
